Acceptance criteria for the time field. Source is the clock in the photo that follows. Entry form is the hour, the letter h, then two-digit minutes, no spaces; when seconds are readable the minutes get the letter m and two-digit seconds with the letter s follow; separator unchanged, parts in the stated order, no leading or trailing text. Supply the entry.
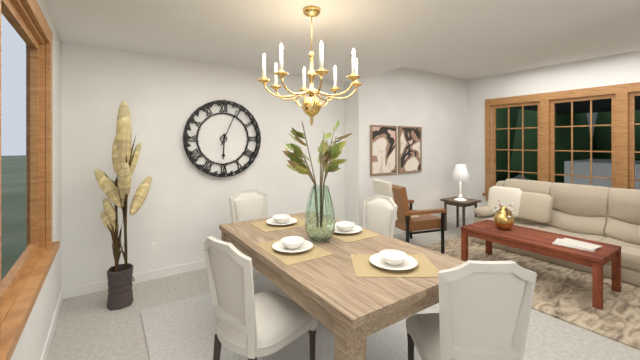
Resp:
6h04
